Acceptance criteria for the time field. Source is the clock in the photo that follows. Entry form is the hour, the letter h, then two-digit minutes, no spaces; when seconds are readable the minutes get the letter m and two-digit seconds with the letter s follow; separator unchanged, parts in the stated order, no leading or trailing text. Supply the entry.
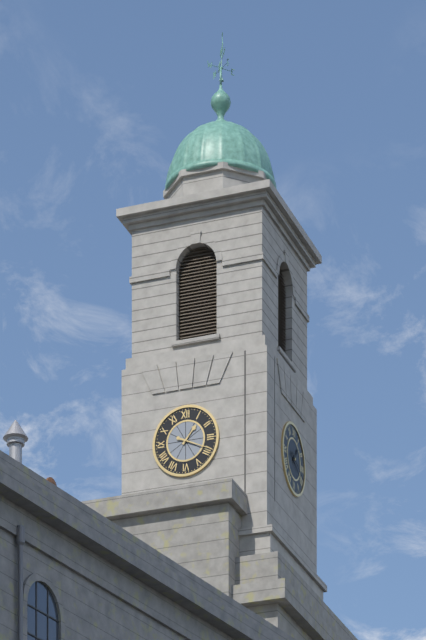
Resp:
1h19
